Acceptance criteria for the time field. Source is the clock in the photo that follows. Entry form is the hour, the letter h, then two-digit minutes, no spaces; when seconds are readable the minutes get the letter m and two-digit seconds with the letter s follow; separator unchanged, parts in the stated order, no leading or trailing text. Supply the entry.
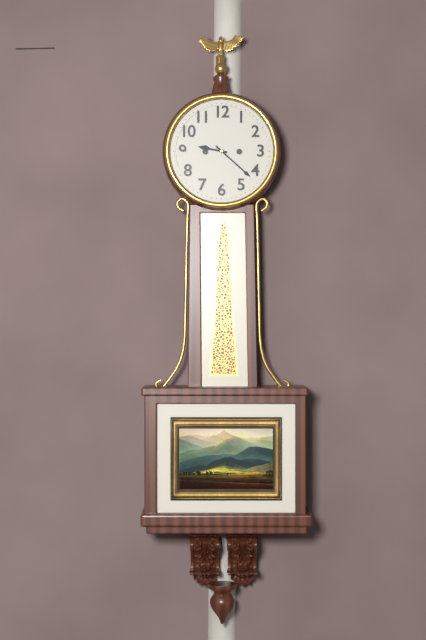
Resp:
9h22
